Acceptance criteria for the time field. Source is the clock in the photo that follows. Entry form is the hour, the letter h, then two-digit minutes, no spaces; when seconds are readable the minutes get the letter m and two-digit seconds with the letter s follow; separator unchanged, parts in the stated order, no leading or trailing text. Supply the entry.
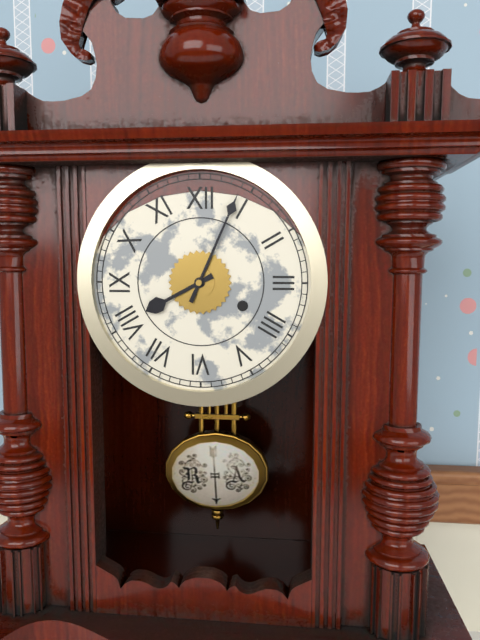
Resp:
8h04
